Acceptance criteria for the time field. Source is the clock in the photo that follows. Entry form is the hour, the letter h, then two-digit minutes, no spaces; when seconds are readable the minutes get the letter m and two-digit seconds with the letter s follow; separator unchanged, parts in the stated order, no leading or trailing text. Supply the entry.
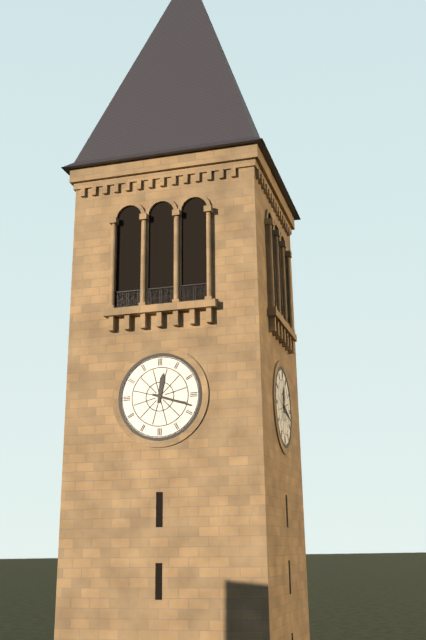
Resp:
12h18
